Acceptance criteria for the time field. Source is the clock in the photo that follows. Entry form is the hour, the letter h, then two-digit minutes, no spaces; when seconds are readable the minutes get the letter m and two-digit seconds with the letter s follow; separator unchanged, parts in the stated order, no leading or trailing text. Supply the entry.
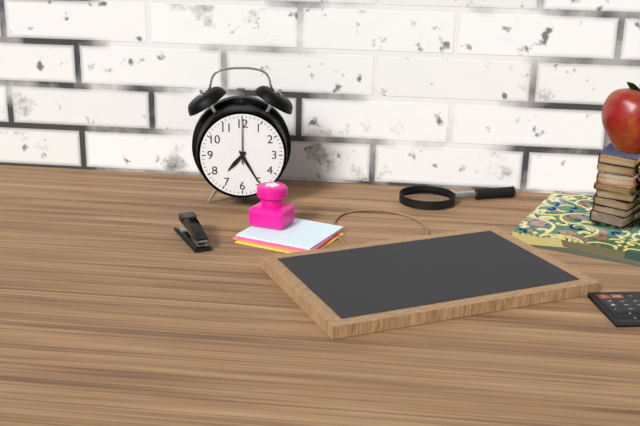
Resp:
7h25
